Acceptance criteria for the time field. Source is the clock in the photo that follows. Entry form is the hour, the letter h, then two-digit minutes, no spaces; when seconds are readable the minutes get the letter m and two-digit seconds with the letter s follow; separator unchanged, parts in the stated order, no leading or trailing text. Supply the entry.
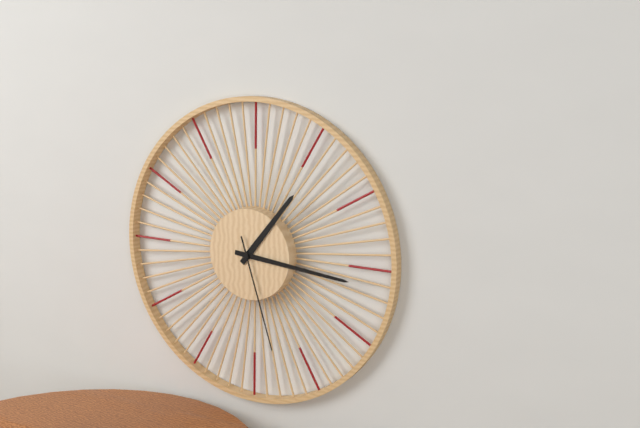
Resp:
1h16m27s
